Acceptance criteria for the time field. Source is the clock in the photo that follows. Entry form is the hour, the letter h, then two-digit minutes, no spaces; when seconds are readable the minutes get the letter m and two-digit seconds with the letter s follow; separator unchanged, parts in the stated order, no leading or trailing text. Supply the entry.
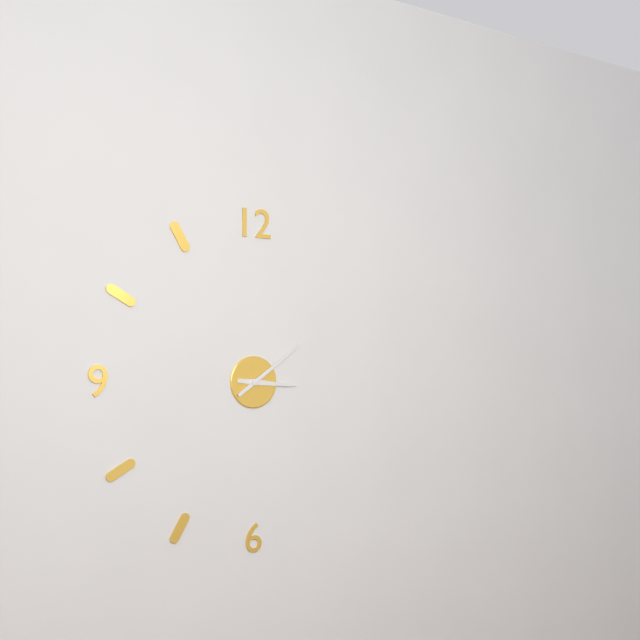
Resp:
3h09
